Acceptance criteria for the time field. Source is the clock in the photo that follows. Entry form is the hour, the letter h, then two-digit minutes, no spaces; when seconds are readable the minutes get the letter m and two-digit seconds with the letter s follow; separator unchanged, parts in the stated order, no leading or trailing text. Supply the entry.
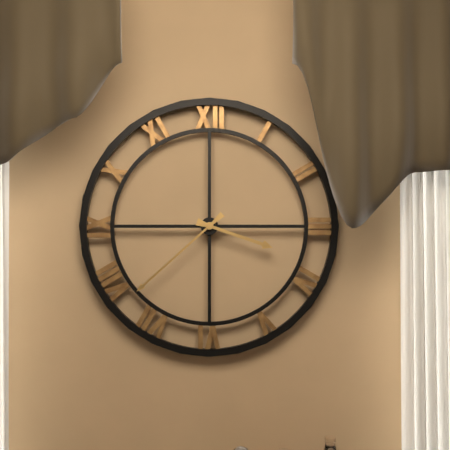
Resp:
3h38
